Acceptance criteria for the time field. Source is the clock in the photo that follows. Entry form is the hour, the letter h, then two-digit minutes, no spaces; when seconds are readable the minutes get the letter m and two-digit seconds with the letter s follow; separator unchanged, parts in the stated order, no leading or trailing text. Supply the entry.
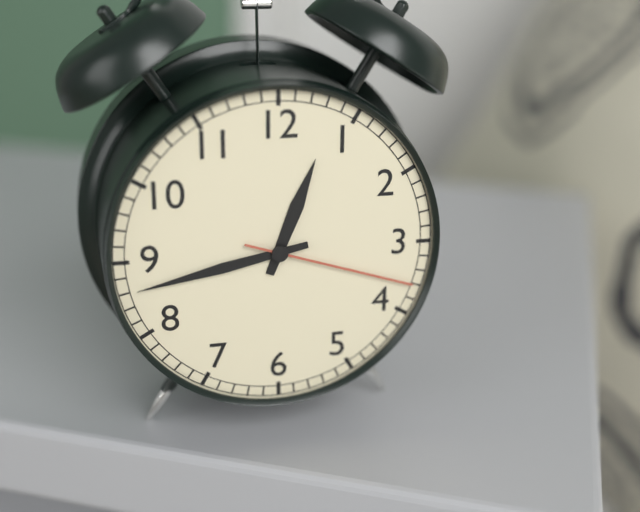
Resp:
12h43m18s
